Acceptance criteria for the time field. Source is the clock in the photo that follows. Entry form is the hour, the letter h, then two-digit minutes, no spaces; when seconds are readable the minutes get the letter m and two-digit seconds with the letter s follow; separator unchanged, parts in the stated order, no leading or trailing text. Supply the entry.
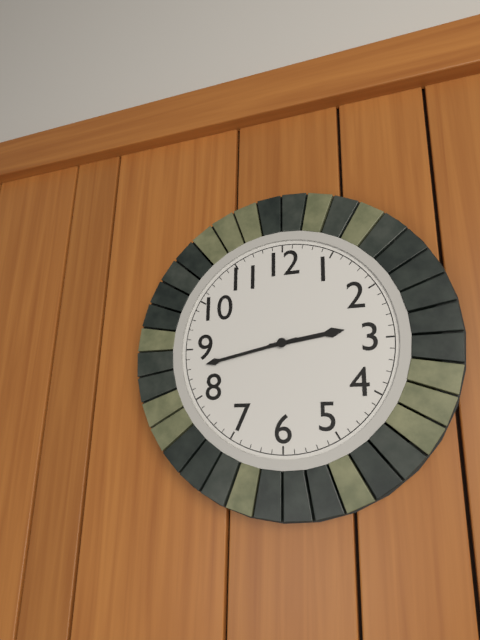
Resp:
2h43
